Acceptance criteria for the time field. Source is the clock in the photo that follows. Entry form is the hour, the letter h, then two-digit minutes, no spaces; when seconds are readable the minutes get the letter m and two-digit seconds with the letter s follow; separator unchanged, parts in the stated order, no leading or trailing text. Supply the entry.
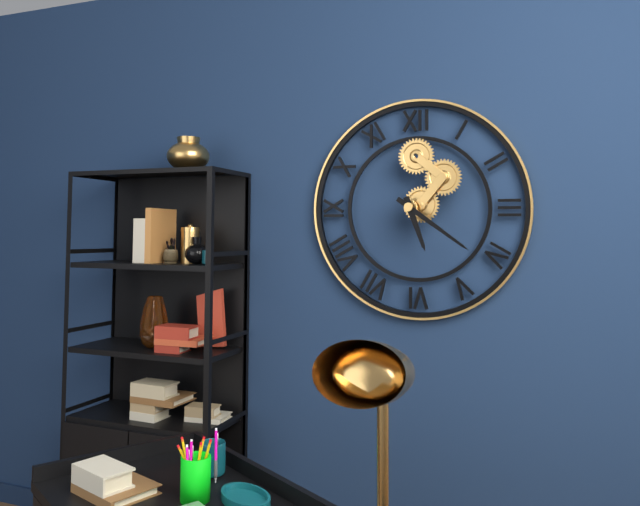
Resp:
5h21
